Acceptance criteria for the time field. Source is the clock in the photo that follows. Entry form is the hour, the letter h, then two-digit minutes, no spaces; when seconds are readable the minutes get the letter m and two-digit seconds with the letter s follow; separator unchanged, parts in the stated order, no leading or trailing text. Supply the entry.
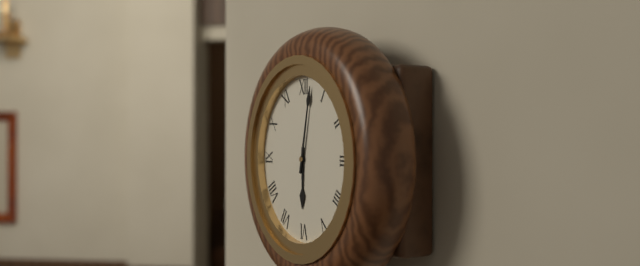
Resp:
6h02
